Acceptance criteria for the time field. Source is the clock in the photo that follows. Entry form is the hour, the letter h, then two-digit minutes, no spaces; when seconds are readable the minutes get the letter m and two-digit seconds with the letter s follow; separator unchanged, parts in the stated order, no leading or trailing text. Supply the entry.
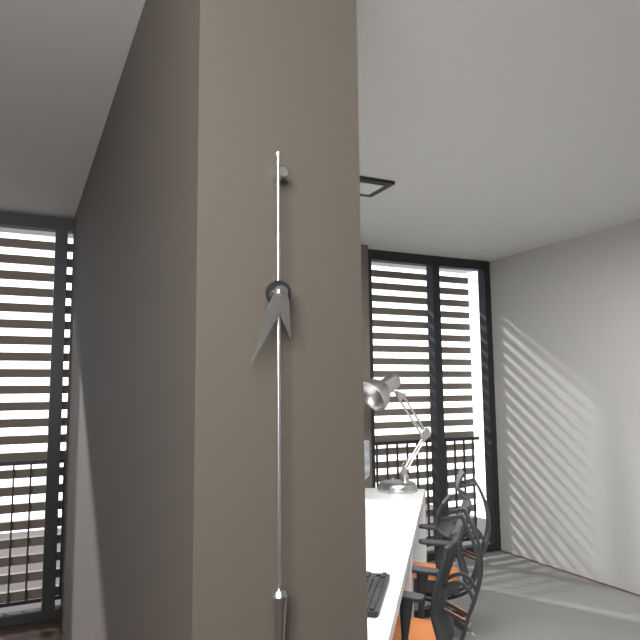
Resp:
5h34
